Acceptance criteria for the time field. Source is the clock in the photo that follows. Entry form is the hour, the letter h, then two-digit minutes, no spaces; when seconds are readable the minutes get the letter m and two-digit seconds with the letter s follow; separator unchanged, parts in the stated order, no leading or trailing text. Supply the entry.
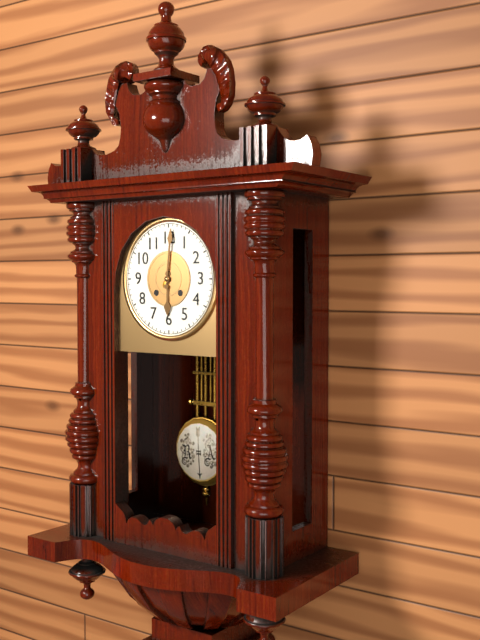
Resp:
6h01
